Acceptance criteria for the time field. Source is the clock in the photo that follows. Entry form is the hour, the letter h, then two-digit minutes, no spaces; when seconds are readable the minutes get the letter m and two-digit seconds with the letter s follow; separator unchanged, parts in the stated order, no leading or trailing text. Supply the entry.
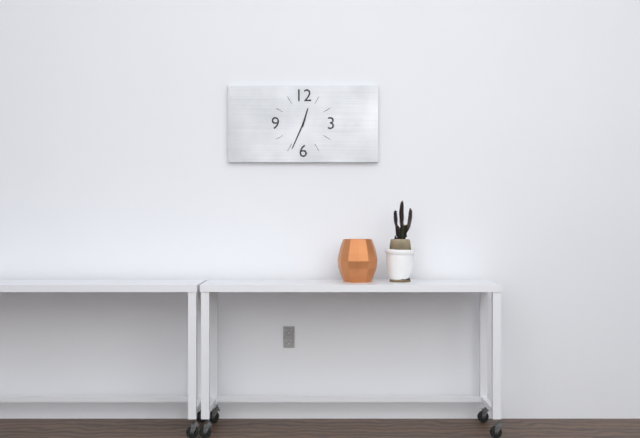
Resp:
12h34
